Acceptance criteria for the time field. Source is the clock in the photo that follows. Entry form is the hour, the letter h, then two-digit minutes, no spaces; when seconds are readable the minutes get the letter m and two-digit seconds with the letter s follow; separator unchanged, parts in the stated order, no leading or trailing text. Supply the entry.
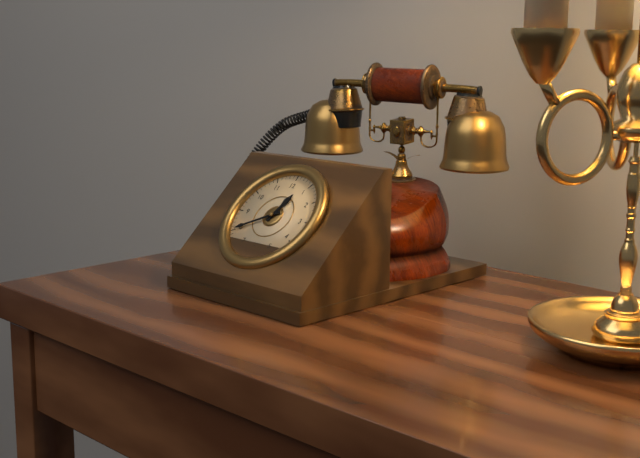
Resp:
12h40
